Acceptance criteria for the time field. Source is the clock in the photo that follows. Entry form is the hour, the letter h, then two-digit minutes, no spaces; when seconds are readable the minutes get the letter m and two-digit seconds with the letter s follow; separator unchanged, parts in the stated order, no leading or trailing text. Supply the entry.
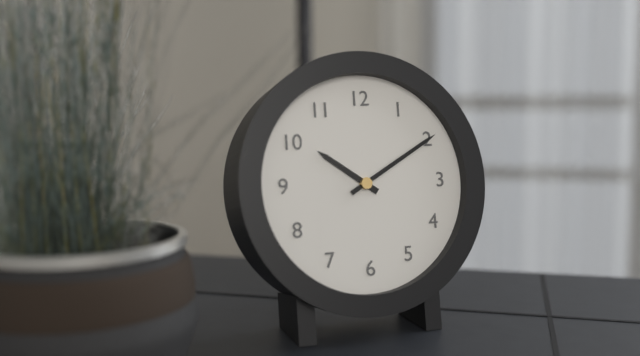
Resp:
10h10
